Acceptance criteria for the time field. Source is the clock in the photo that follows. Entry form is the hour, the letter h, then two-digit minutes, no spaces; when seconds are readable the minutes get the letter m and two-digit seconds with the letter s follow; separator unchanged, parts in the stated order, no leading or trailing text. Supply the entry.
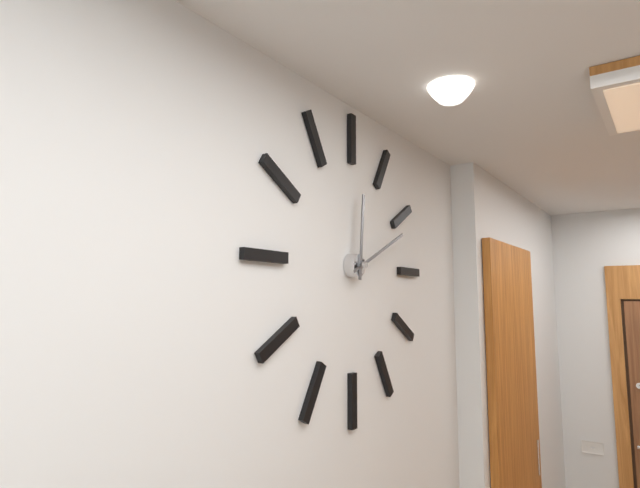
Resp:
12h11
